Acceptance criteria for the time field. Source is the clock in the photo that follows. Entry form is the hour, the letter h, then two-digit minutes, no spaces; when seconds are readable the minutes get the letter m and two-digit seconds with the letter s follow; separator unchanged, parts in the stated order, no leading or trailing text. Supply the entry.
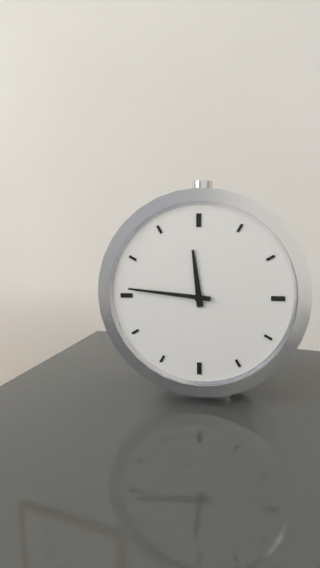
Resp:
11h46
